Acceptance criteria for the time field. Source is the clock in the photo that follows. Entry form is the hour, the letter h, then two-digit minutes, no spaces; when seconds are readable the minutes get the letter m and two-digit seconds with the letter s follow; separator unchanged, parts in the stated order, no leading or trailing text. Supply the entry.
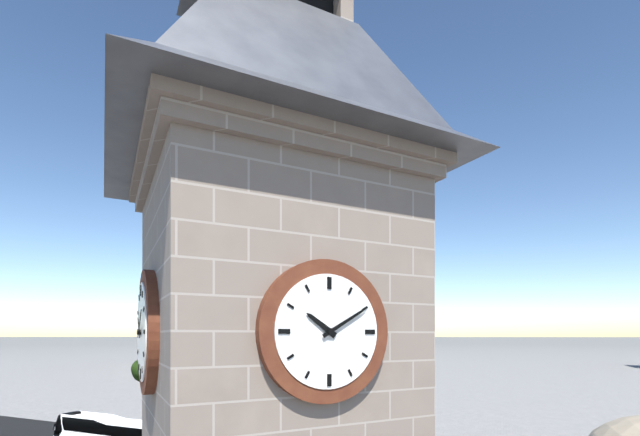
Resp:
10h10
